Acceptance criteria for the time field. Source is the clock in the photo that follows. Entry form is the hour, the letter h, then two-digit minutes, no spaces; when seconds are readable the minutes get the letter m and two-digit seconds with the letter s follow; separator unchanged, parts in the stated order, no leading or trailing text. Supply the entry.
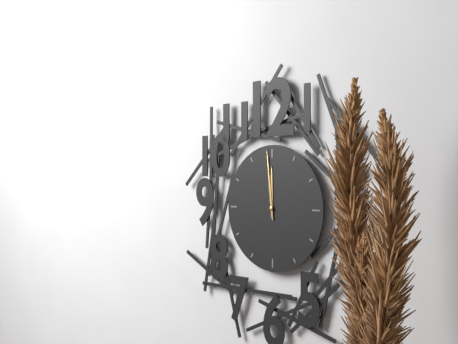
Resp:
11h59
